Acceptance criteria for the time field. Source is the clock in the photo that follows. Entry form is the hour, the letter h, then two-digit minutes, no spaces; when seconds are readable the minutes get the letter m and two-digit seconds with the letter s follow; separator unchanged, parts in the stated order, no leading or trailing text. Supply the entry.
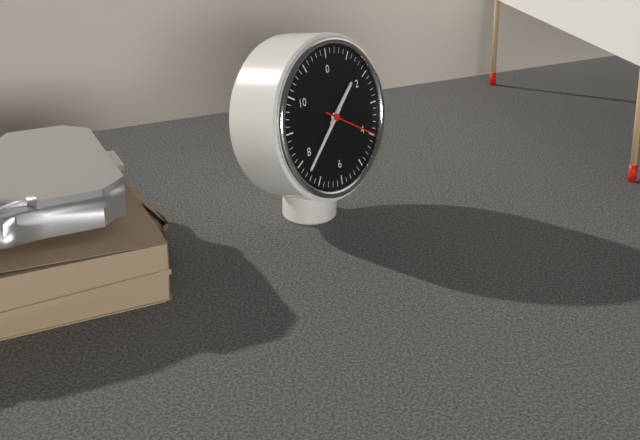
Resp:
1h38m20s
